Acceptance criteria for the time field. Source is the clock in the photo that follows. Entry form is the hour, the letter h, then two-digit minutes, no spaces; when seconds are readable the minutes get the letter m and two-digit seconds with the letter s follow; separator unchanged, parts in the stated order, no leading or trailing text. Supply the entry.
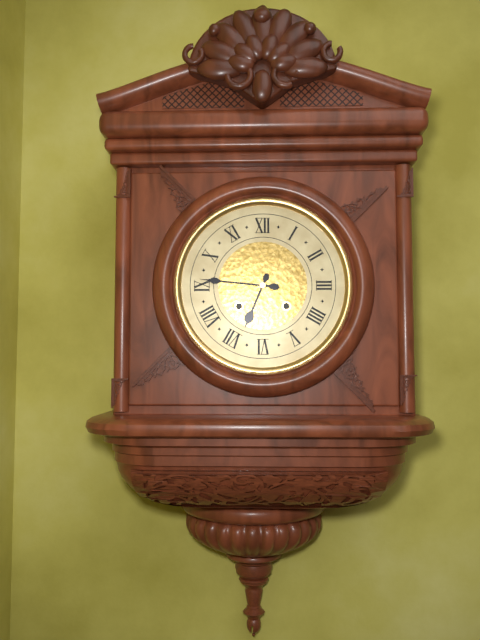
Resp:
6h46
